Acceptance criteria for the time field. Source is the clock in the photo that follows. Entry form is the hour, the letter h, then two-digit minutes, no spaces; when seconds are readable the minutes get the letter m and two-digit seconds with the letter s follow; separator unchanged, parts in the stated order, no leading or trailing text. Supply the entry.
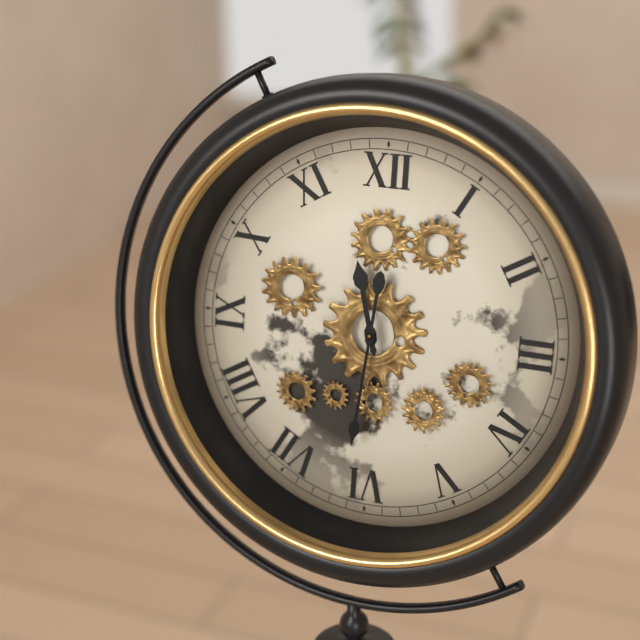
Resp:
11h31
